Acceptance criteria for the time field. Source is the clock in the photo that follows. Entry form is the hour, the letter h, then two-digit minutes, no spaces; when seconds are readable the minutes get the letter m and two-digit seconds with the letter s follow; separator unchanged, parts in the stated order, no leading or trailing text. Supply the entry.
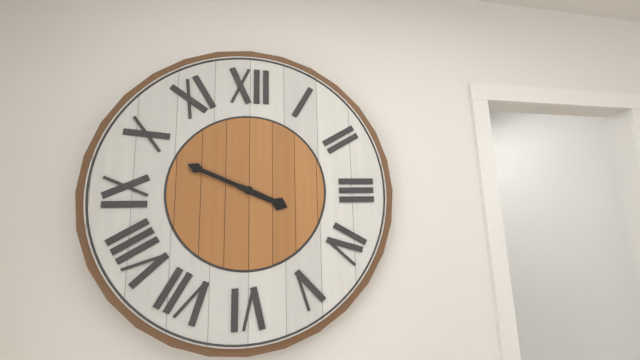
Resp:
3h49
